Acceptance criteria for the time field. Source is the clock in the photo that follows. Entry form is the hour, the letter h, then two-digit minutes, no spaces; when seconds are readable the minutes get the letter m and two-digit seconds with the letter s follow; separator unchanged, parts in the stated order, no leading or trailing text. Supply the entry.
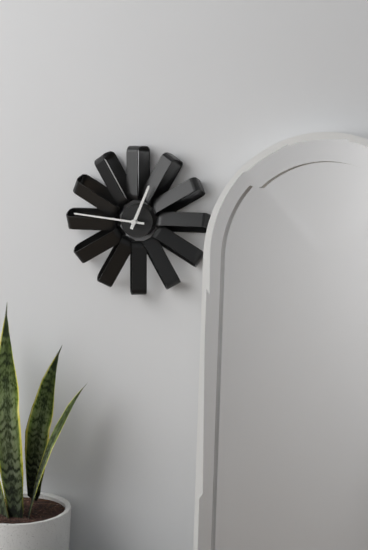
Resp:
12h46
